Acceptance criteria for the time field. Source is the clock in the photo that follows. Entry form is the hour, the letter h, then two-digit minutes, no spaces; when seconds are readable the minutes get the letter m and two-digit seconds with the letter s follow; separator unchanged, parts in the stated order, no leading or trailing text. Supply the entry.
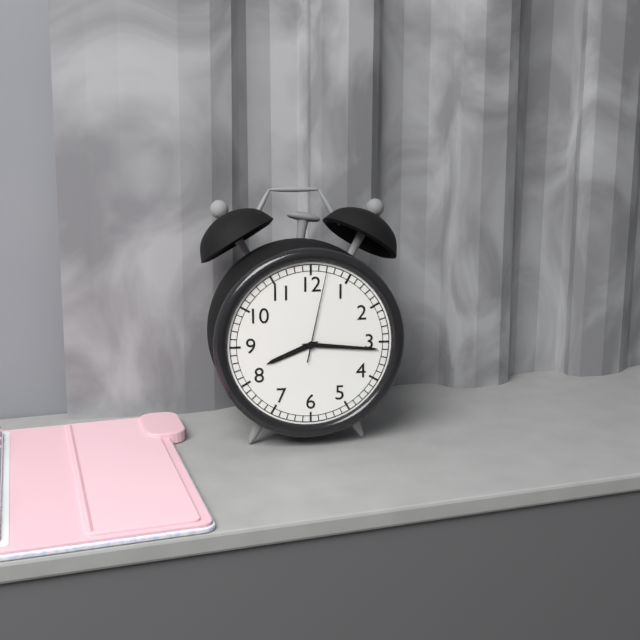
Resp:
8h16m02s
